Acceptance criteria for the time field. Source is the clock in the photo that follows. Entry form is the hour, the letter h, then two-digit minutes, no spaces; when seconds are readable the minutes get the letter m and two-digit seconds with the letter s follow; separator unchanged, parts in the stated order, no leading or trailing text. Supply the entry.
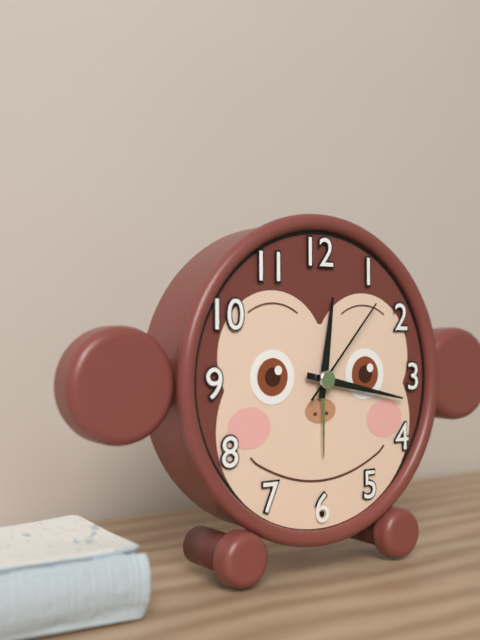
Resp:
12h17m07s
